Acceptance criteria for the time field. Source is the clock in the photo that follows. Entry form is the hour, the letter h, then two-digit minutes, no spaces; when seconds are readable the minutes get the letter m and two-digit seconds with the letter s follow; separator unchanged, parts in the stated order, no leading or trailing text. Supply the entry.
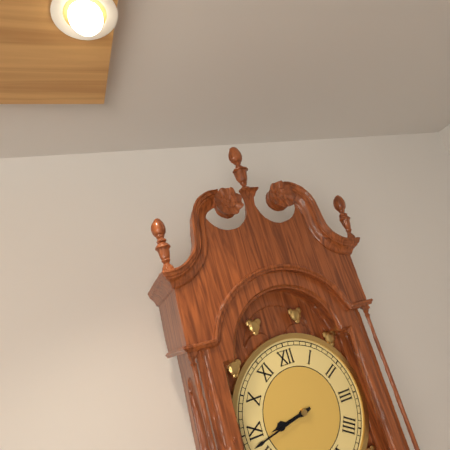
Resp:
8h43
